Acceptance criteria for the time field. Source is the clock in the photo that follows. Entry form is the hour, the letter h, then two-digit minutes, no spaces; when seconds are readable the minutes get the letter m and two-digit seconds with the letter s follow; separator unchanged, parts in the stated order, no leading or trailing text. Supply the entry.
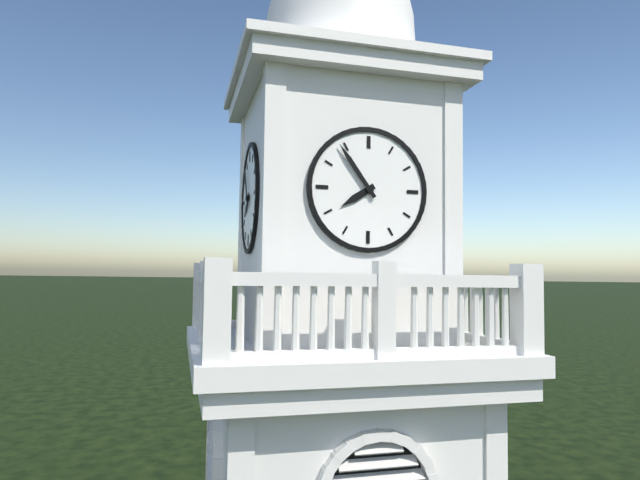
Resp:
7h54
